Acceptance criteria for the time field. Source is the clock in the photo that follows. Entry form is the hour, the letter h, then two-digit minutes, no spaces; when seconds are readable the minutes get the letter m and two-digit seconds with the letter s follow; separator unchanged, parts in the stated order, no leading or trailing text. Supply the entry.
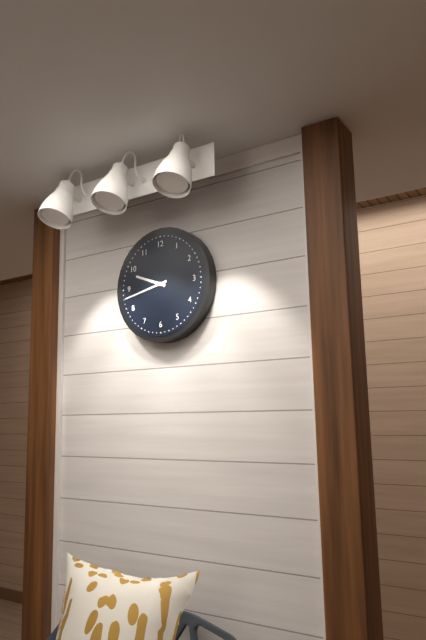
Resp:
9h43
